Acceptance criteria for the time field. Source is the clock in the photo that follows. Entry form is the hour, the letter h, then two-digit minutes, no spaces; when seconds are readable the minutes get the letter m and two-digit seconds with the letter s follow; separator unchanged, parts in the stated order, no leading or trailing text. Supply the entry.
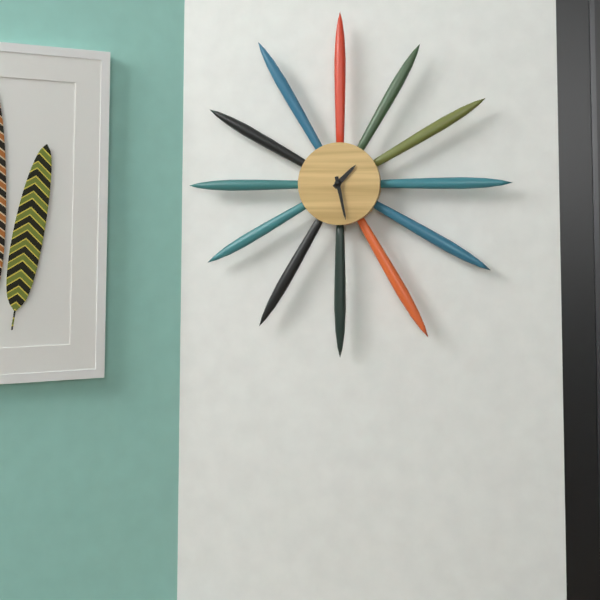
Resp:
1h28
